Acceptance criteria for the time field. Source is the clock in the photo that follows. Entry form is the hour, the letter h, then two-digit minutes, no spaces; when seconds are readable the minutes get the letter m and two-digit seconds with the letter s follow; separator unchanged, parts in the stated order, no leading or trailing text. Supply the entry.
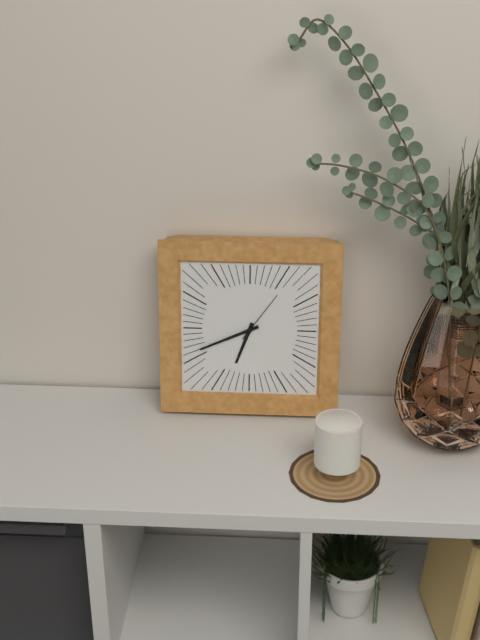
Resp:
6h41m06s
